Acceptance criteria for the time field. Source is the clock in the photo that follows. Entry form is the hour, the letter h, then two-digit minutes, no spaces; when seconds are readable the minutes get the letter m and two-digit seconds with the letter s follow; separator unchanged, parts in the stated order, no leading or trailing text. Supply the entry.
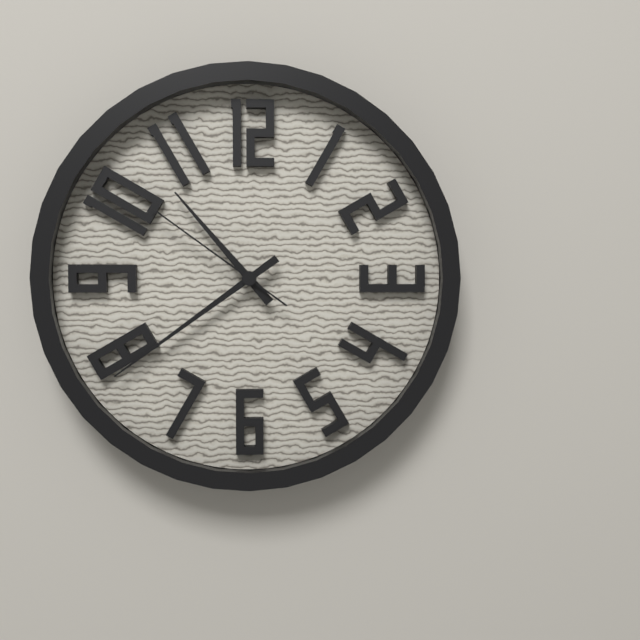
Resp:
10h39m51s
